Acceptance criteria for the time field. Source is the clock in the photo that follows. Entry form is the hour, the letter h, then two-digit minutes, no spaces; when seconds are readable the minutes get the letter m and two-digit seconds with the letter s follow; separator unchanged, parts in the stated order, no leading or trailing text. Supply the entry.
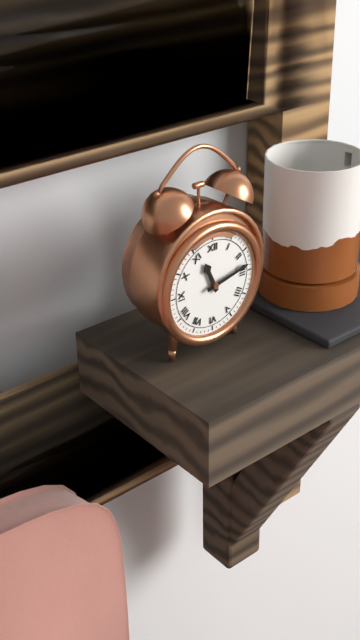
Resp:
11h13
